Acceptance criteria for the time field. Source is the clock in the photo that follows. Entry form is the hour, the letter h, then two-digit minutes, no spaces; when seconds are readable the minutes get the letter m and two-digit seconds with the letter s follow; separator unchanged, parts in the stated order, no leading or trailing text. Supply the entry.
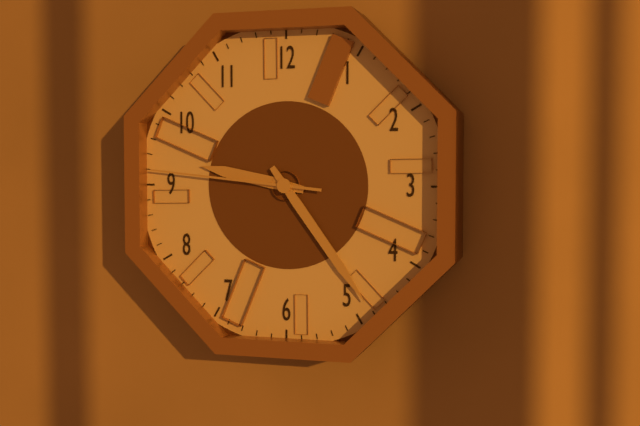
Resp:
9h24m46s
